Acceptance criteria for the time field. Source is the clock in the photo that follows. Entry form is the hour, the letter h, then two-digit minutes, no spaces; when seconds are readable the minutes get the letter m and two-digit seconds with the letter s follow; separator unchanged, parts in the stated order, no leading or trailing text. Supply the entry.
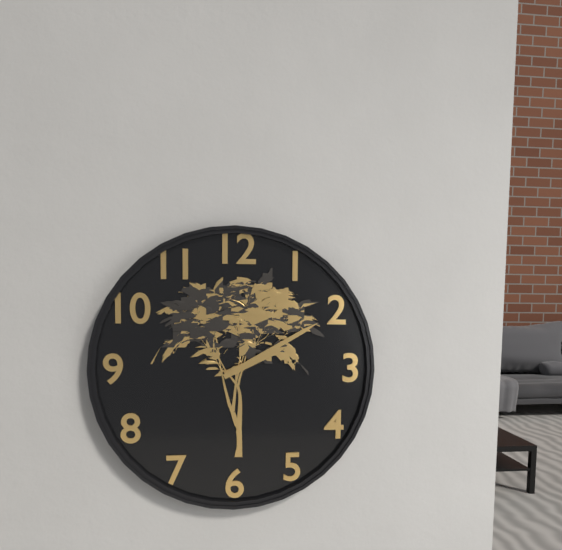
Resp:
2h10
